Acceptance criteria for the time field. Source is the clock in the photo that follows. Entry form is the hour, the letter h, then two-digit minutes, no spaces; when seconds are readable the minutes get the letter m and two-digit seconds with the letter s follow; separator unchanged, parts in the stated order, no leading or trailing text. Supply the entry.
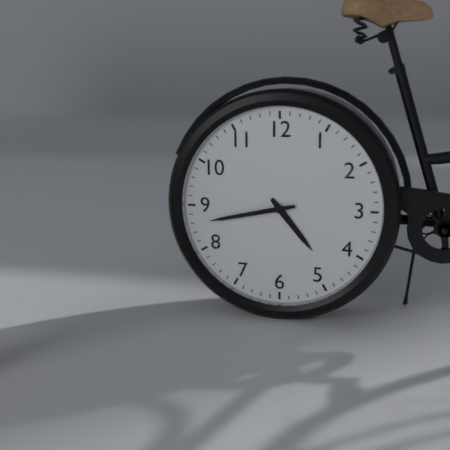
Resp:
4h43
